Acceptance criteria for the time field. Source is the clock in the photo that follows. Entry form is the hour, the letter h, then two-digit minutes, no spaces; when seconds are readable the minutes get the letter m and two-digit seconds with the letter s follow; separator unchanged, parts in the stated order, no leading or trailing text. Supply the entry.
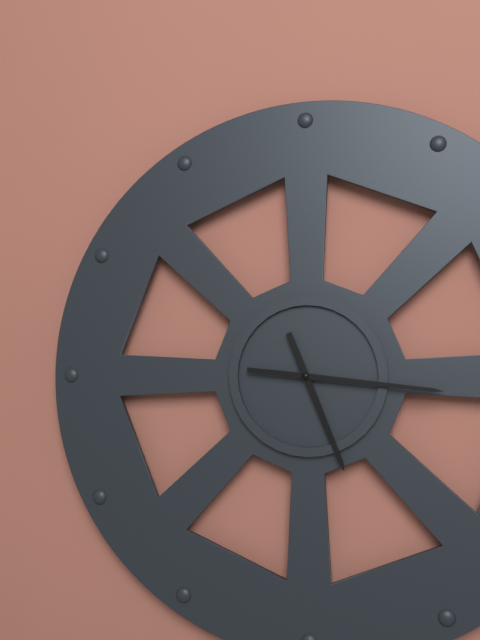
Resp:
5h16
